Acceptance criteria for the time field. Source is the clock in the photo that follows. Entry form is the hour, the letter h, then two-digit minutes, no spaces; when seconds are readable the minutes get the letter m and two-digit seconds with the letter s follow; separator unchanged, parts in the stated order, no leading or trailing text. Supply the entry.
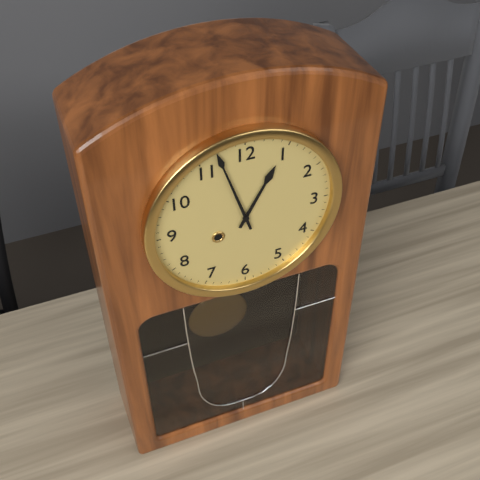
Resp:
12h57
